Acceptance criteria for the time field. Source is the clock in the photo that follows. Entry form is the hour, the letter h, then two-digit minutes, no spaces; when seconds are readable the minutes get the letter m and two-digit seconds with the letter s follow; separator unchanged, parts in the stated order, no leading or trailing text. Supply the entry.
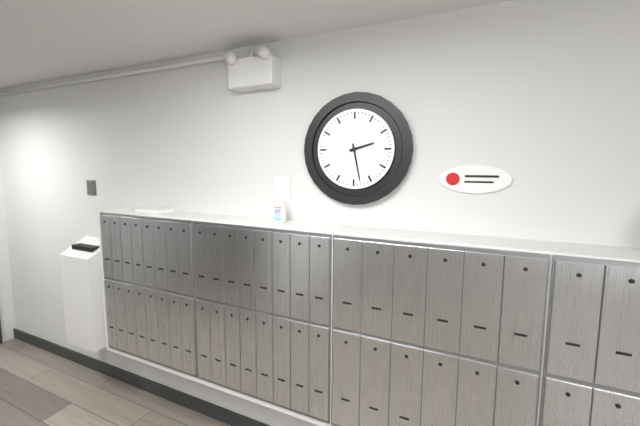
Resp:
2h28
